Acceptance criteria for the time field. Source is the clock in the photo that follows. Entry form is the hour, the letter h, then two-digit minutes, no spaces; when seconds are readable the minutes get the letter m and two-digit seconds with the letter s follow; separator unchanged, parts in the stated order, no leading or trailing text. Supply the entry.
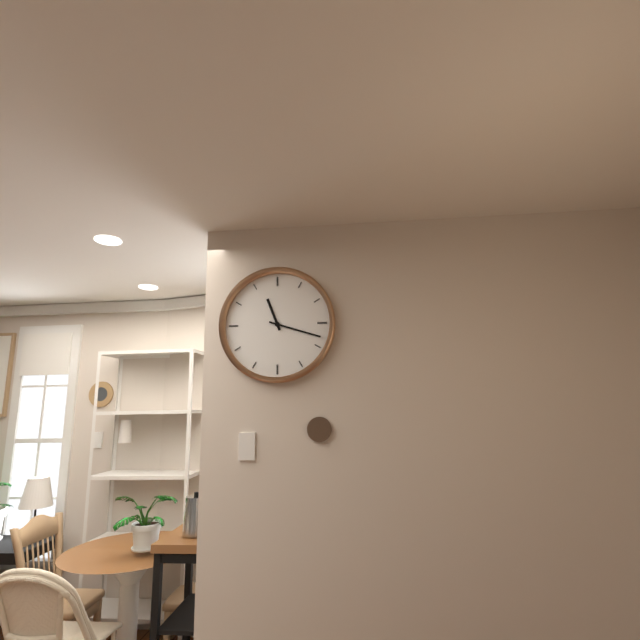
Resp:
11h18
